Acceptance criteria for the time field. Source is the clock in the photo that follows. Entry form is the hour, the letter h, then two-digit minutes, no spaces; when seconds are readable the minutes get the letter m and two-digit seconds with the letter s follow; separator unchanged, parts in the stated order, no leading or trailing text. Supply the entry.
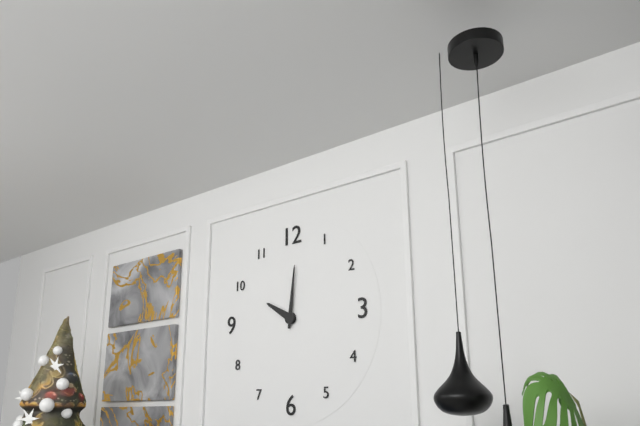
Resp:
10h01
